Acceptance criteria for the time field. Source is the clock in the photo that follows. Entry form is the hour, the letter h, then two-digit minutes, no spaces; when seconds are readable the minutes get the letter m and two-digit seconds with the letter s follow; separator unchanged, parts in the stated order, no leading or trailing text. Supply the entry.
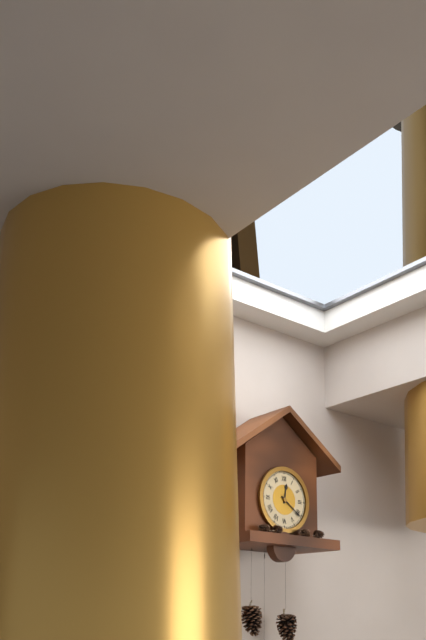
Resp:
12h21
